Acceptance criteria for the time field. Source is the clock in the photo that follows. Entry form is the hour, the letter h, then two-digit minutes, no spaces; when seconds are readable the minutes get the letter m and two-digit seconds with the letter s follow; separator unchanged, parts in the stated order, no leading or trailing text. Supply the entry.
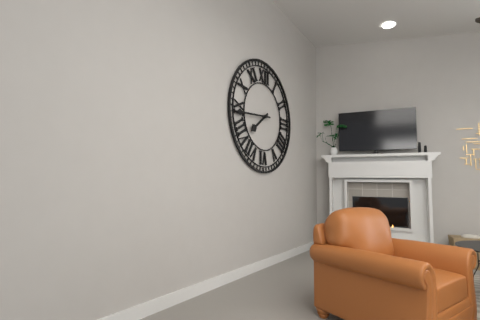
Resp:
7h44
